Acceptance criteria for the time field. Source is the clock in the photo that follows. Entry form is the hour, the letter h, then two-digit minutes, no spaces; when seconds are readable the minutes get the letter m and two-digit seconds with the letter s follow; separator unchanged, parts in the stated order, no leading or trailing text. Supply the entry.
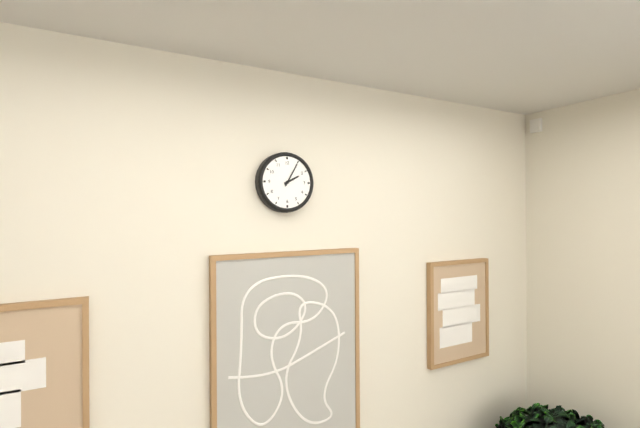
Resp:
2h05
